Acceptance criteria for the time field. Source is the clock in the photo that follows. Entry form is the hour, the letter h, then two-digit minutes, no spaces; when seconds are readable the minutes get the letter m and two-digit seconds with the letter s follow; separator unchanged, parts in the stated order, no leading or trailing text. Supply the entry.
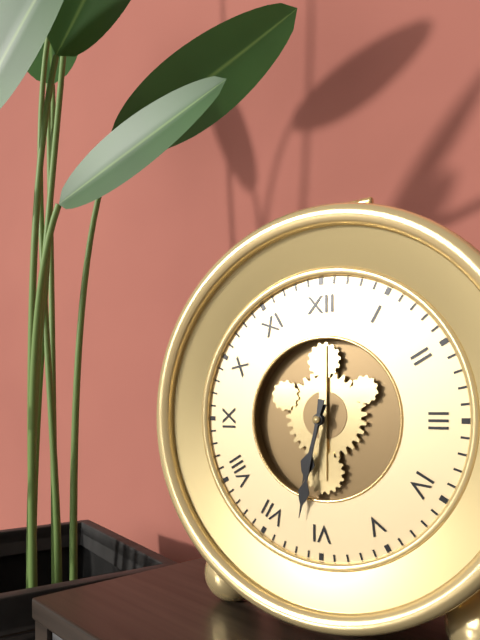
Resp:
6h32
